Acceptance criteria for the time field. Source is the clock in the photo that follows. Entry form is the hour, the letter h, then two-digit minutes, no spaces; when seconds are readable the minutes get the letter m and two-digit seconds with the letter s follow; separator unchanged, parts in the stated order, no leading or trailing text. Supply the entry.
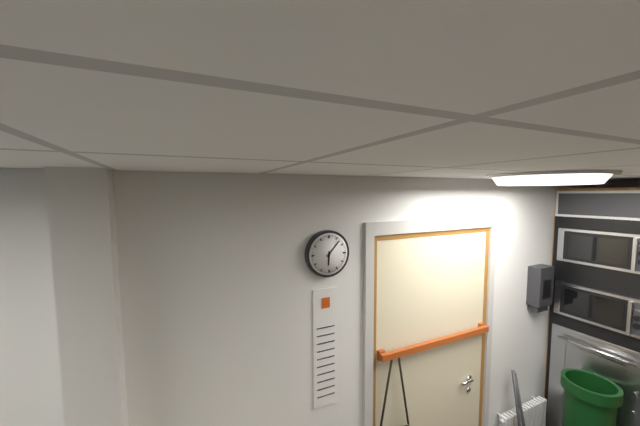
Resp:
6h07
